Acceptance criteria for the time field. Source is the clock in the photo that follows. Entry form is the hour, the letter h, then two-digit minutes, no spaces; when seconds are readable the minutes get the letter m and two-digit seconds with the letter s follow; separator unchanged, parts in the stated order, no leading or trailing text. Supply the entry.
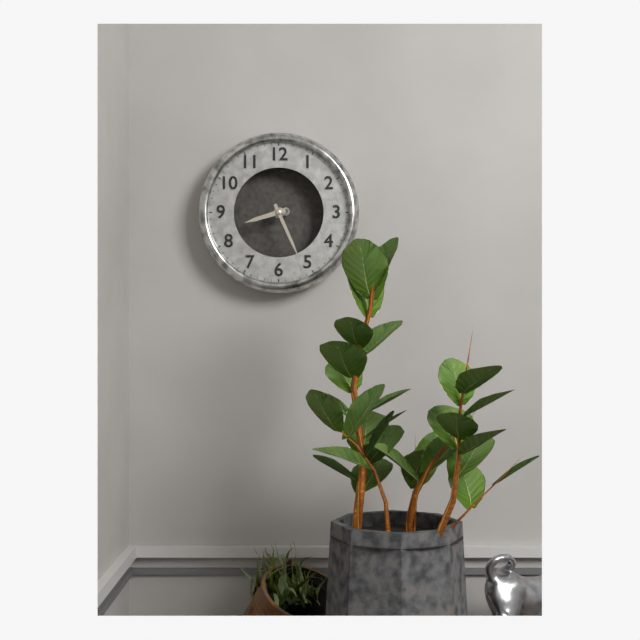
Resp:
8h26
